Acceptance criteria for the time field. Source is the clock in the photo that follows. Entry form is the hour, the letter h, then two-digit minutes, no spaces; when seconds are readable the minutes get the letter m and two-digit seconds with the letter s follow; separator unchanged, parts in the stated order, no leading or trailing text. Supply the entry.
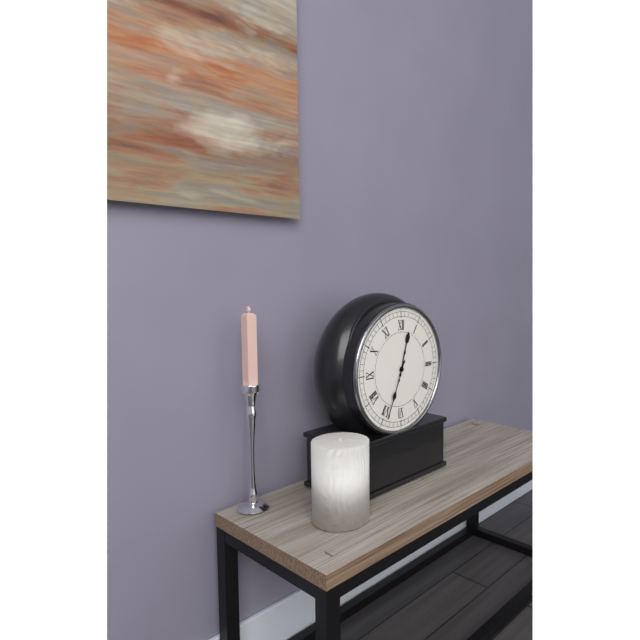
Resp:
12h34
